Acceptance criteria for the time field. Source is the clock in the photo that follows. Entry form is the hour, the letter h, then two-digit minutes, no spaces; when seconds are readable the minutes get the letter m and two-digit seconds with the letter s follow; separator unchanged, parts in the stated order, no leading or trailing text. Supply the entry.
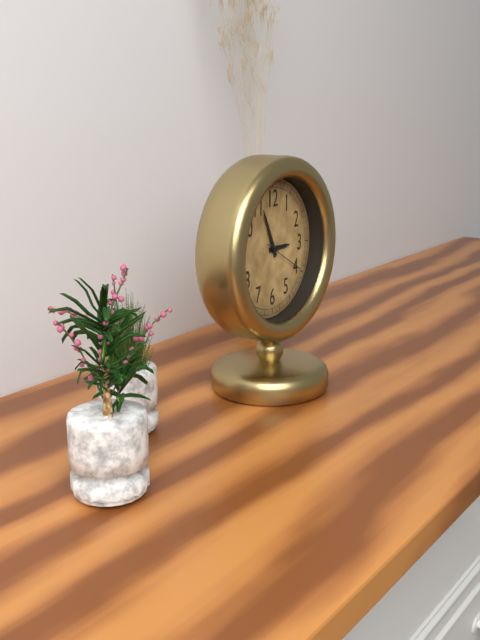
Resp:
2h56
